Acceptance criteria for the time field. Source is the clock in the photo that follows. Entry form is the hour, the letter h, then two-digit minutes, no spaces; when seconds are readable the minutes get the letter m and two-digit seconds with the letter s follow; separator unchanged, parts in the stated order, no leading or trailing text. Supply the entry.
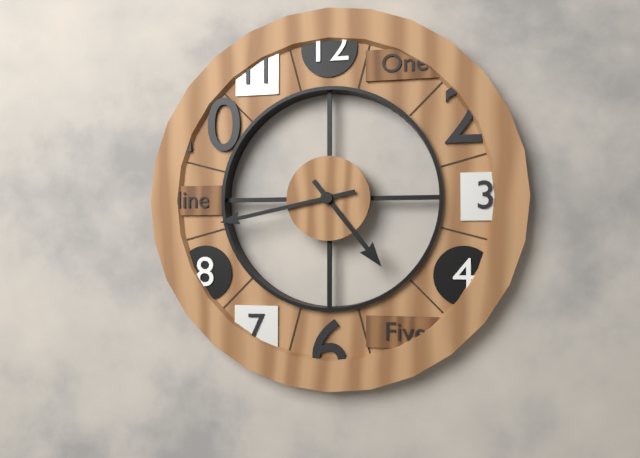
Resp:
4h43
